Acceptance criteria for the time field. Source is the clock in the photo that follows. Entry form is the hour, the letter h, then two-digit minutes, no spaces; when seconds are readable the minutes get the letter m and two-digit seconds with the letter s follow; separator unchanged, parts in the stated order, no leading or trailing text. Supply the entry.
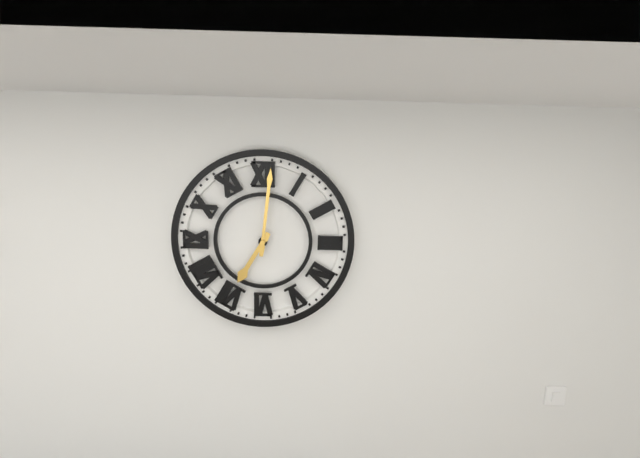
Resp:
7h01
